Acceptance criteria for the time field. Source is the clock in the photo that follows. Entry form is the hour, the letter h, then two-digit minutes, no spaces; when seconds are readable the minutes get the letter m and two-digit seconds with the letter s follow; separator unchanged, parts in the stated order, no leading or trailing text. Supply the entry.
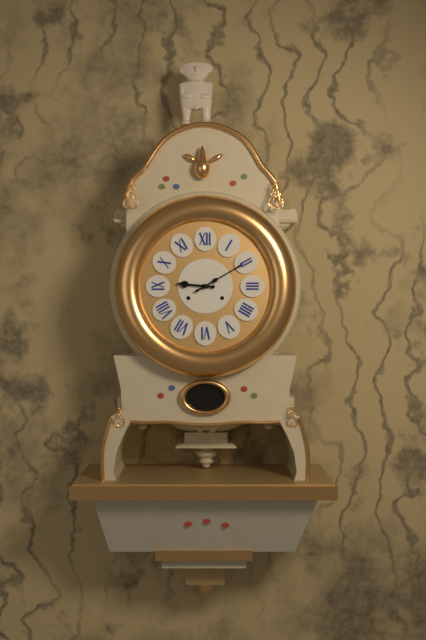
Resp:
9h10
